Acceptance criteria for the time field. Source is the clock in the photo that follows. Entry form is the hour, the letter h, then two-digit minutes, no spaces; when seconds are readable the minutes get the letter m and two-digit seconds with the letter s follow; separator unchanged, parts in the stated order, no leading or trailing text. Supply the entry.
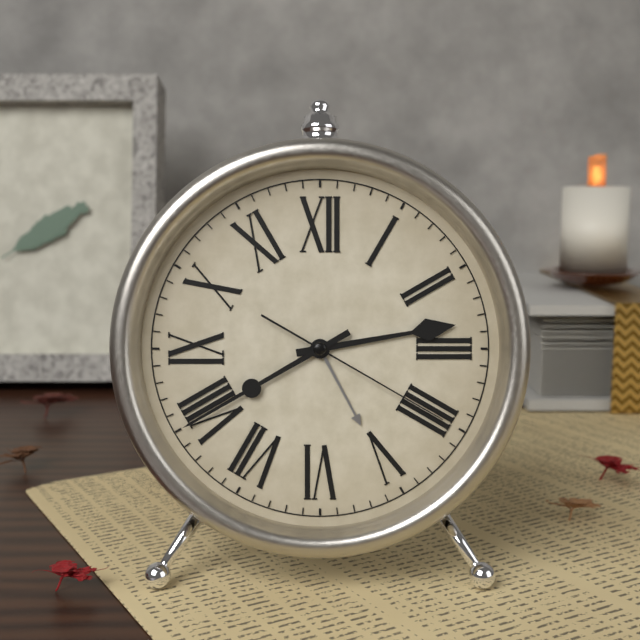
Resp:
2h40m20s
